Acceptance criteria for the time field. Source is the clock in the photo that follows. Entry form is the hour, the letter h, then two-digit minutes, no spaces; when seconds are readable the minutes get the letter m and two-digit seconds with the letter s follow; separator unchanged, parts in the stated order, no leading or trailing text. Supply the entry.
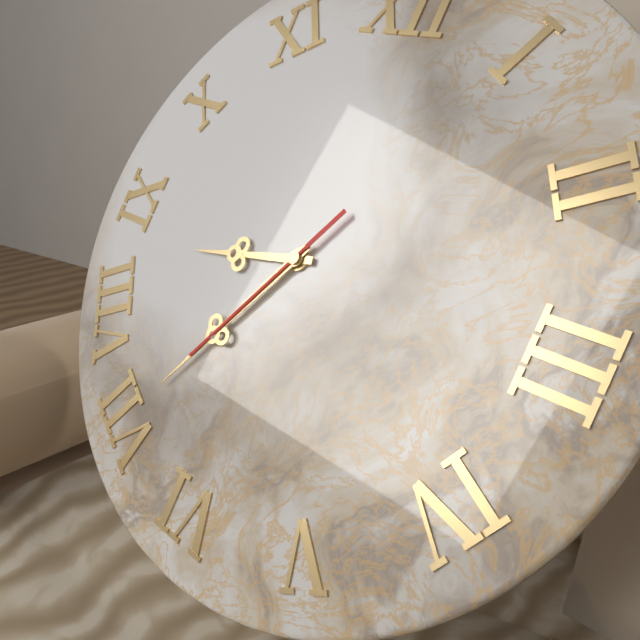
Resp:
8h35m35s
